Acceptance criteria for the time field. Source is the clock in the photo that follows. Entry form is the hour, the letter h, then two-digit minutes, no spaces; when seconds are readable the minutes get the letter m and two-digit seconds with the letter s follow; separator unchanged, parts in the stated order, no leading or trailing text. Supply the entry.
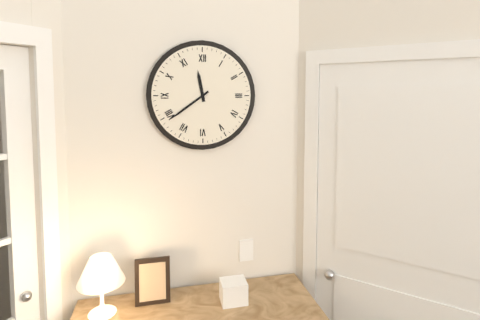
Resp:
11h39
